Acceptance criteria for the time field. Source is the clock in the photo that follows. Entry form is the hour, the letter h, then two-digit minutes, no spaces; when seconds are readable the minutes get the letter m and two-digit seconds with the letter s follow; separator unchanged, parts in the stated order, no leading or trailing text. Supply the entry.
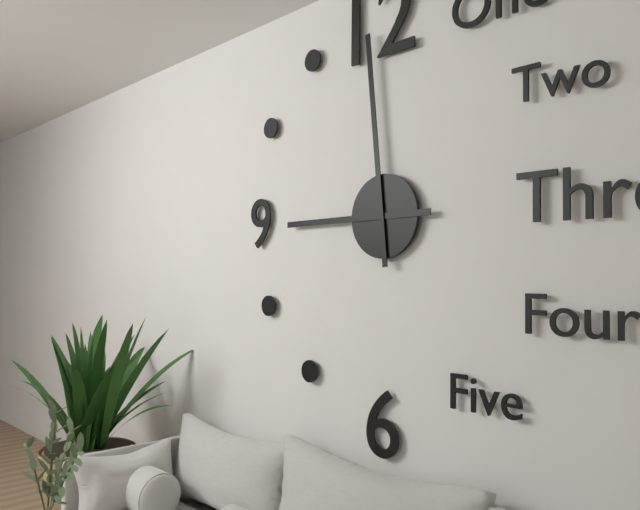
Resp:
8h59
